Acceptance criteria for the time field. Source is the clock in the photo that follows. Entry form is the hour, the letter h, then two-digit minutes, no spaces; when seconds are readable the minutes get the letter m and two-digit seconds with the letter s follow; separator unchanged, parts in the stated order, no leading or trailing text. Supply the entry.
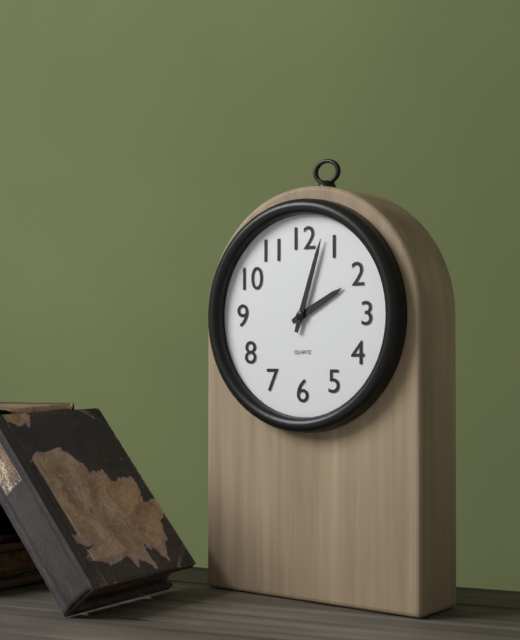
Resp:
2h03
